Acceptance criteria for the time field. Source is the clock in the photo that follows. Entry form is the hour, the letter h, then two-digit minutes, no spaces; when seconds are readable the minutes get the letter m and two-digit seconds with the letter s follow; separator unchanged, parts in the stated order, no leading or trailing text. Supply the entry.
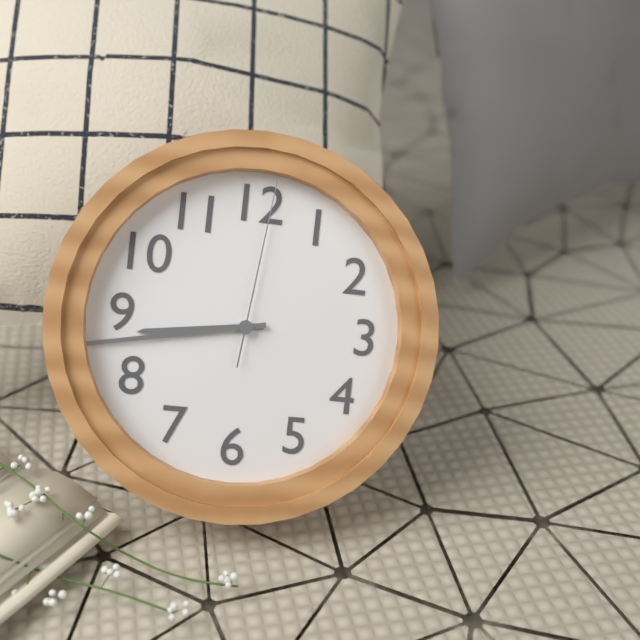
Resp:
8h43m01s
